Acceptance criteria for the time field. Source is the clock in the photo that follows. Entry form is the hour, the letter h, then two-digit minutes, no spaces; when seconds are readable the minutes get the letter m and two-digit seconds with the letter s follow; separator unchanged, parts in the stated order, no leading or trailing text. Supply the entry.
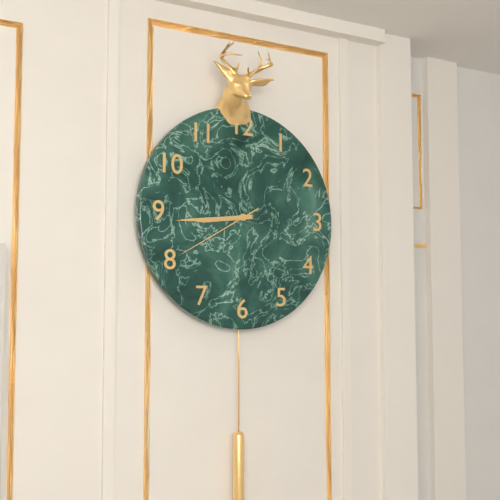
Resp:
8h44m40s
